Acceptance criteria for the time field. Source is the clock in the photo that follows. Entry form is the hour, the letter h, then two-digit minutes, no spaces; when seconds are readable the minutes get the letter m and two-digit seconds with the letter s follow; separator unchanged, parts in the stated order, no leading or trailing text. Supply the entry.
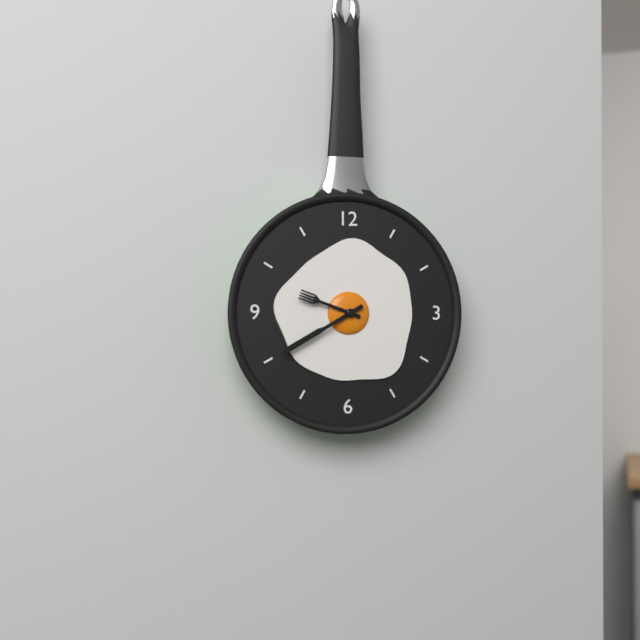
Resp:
9h40
